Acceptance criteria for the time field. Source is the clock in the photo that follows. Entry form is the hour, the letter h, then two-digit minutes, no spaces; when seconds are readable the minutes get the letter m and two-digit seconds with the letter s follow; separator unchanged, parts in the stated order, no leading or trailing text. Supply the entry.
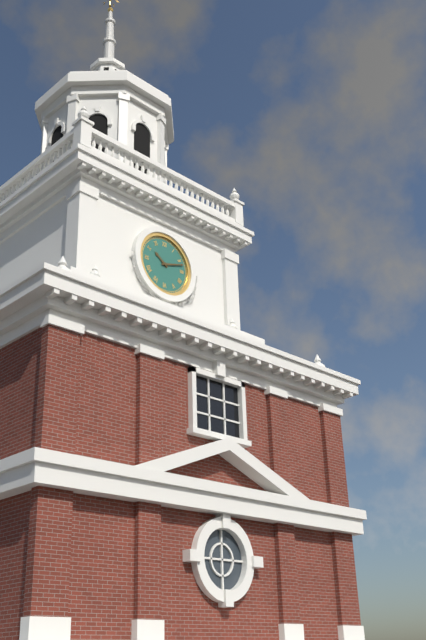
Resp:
10h12
